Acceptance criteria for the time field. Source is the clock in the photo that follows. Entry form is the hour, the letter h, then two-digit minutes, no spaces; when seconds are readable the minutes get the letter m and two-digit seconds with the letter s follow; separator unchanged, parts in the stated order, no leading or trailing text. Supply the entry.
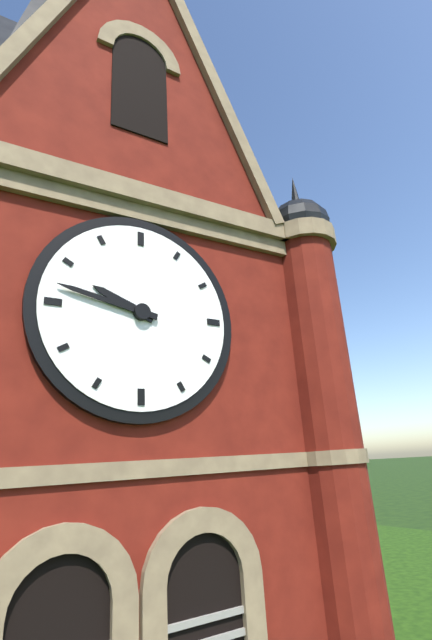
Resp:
9h47
